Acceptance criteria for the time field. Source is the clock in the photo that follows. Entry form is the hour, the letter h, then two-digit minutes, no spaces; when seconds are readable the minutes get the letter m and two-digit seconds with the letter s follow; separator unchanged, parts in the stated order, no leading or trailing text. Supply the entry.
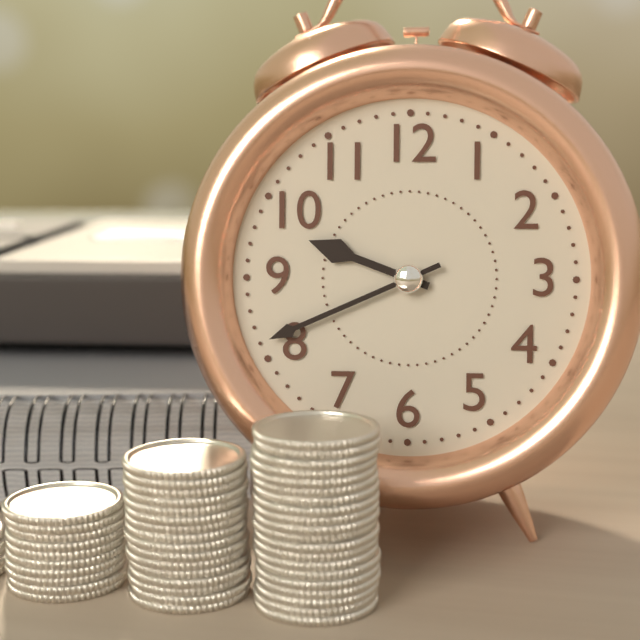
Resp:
9h41
